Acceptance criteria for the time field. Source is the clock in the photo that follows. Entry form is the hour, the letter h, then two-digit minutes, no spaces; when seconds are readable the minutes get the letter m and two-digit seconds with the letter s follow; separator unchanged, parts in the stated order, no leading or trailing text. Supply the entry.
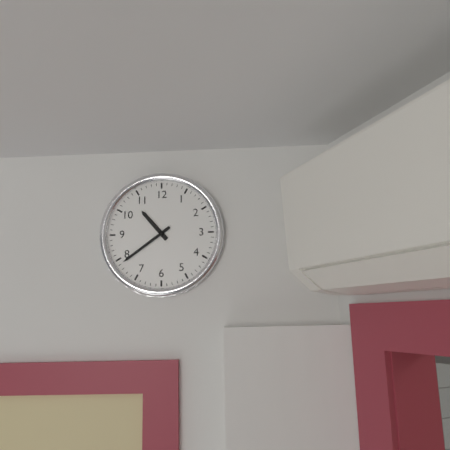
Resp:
10h39
